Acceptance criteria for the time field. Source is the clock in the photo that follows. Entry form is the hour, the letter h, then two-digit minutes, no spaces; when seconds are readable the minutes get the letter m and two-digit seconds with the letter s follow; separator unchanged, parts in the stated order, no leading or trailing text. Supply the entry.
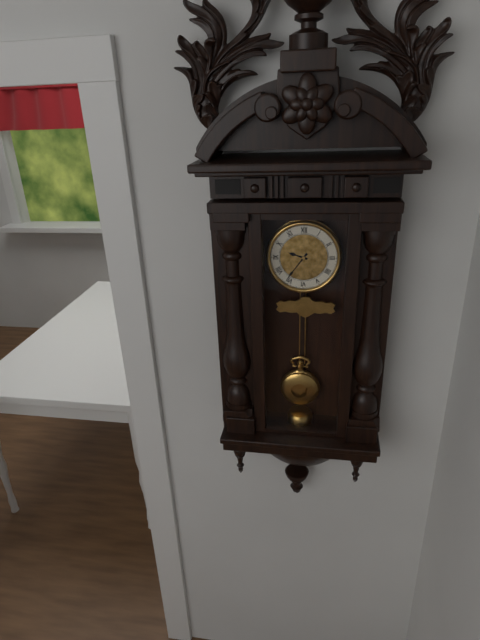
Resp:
9h36
